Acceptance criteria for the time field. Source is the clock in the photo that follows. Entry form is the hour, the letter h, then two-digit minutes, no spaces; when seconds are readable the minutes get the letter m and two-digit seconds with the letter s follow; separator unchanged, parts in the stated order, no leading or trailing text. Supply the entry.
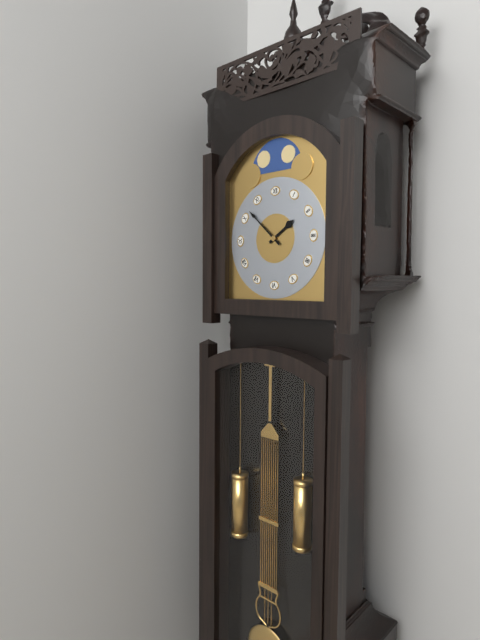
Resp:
1h52
